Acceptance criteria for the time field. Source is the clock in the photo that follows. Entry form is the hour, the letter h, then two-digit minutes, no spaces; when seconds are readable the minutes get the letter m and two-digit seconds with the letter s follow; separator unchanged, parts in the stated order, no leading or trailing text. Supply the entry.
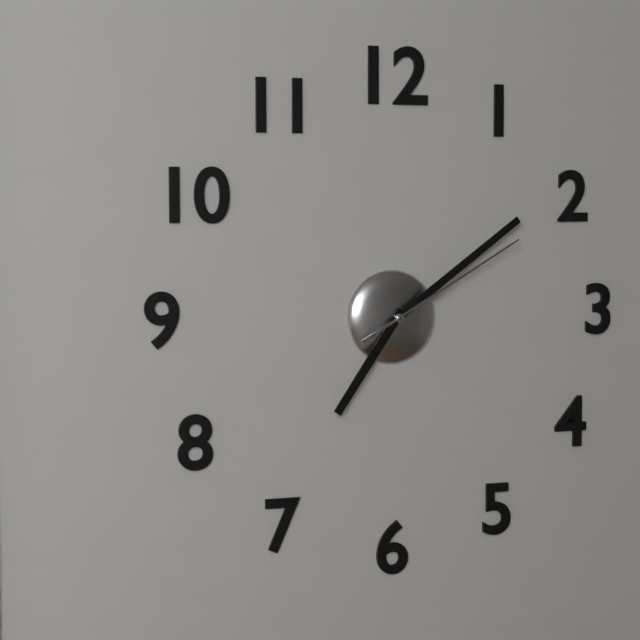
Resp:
7h09m10s
